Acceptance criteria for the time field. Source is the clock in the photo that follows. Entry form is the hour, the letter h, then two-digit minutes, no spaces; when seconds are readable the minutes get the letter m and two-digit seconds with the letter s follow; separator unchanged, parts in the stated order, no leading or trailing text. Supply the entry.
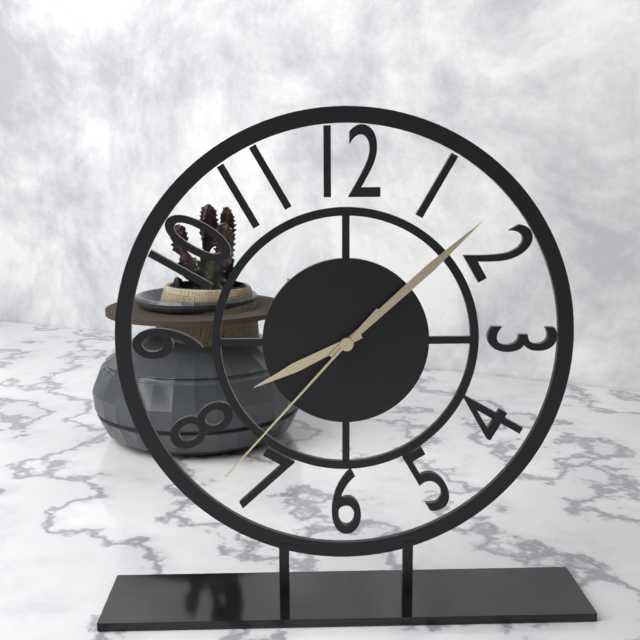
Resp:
8h08m37s
